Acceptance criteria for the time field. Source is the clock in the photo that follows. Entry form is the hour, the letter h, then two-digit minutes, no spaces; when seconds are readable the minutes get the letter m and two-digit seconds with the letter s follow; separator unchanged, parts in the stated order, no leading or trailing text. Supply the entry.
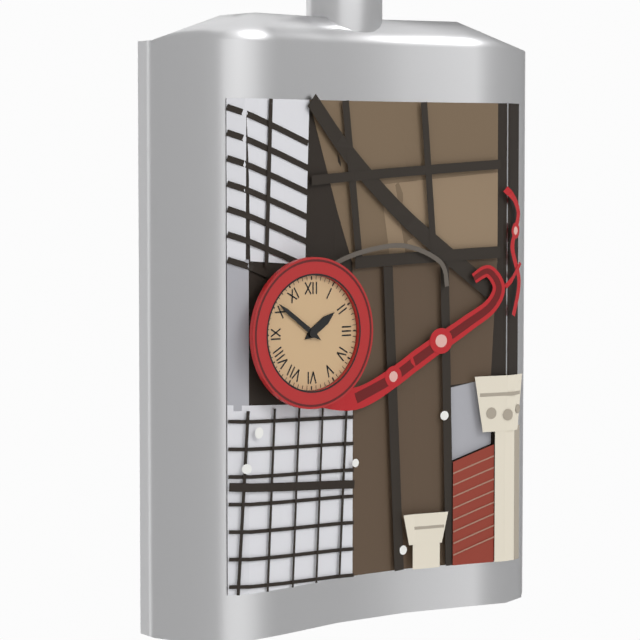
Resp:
1h51
